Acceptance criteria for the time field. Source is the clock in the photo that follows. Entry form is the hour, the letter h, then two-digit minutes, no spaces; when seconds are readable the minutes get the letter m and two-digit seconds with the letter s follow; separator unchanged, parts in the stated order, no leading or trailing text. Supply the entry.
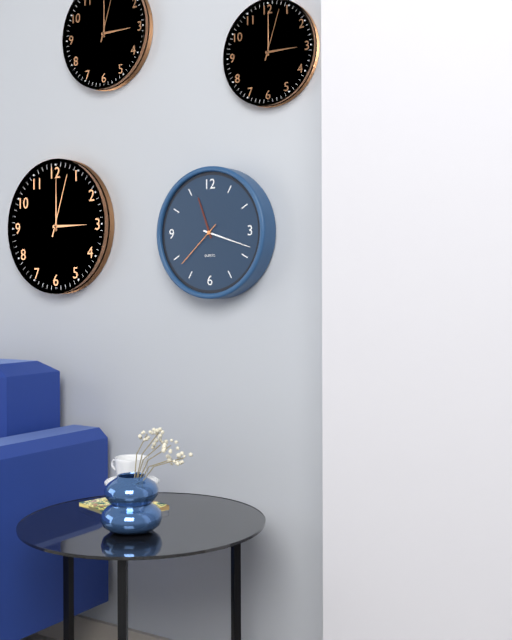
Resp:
11h18m38s
